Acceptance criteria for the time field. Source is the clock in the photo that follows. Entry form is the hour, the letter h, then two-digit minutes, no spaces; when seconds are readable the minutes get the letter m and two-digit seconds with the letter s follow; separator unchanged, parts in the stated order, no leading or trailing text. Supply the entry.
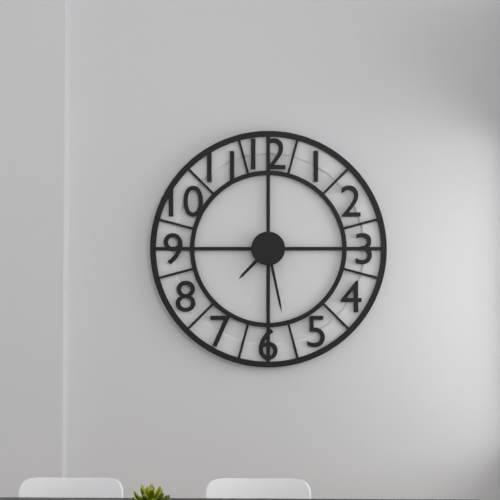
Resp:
7h28
